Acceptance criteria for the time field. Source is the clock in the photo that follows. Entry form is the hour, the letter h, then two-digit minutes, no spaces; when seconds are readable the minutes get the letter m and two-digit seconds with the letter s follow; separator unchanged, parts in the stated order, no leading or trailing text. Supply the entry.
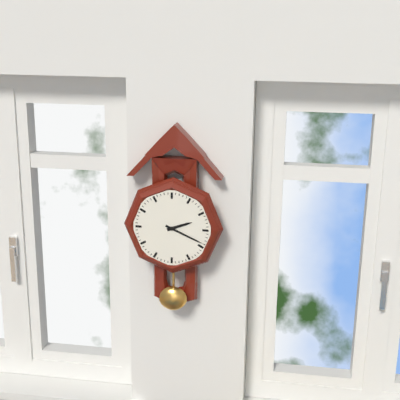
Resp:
2h19
